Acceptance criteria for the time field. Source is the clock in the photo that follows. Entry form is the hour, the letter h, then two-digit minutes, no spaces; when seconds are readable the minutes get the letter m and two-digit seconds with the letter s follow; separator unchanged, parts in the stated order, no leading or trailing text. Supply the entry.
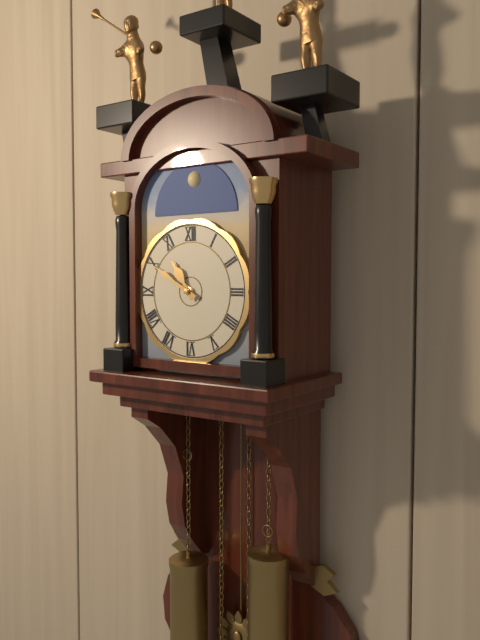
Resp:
10h50
